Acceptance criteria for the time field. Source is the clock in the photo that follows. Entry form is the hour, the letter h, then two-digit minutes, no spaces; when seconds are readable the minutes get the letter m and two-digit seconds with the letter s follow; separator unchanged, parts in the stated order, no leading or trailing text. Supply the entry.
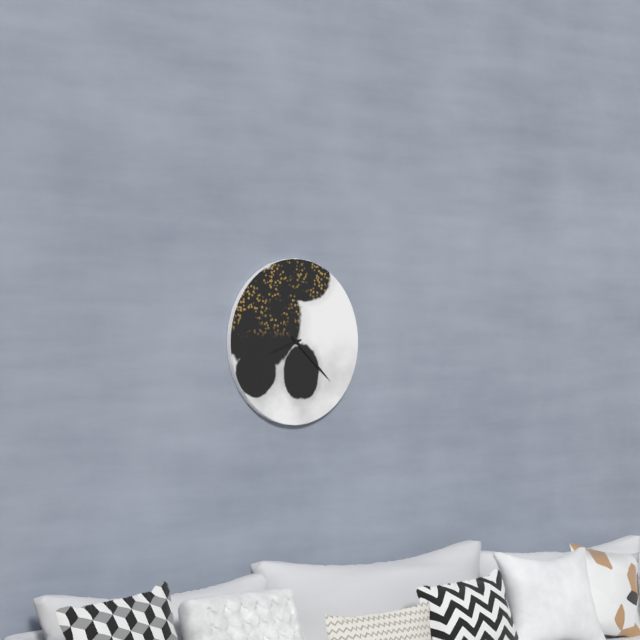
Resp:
8h22
